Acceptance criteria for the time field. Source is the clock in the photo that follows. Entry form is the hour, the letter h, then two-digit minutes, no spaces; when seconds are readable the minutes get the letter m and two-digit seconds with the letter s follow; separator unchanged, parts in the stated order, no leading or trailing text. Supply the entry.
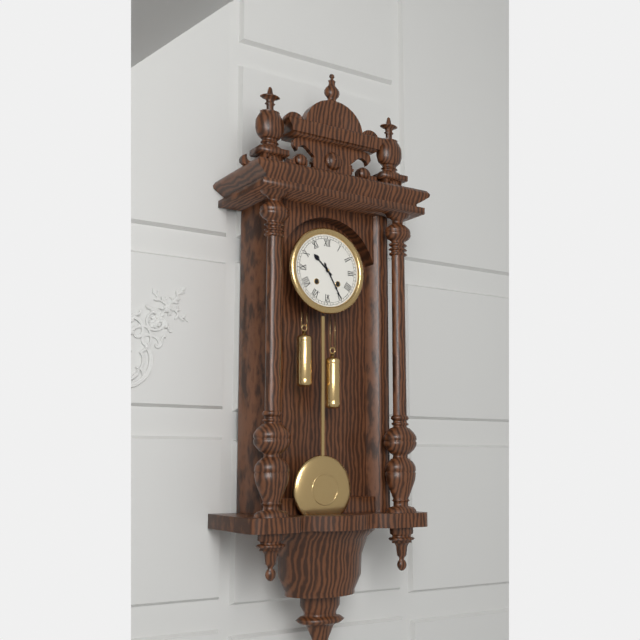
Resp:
10h25
